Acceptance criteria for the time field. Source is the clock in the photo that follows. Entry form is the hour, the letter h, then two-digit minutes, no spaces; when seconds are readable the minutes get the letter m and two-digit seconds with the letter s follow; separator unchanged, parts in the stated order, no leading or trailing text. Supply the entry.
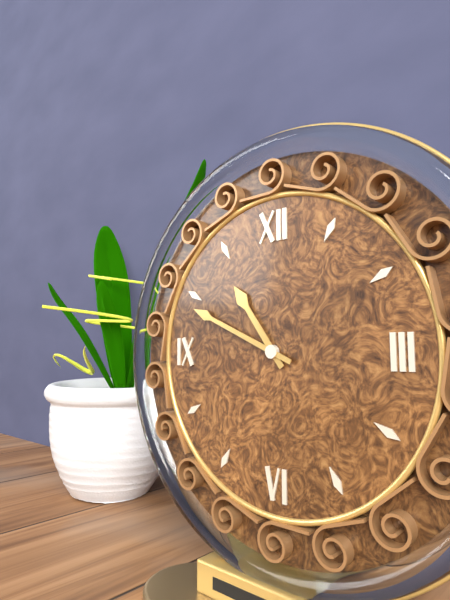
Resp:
10h49
